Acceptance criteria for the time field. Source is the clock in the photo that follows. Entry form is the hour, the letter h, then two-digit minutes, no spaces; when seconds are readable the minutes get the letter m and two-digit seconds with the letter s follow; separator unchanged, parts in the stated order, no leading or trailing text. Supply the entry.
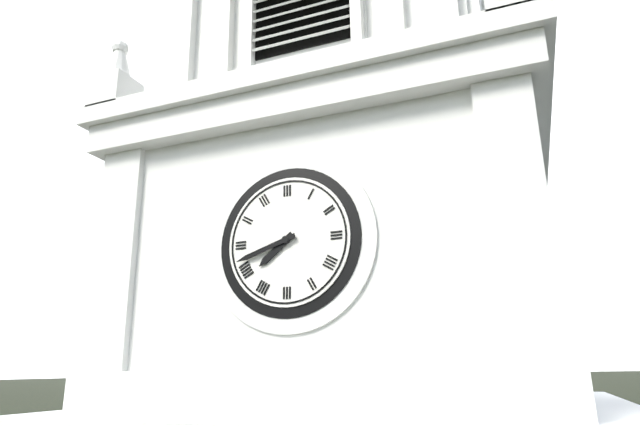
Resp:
7h42
